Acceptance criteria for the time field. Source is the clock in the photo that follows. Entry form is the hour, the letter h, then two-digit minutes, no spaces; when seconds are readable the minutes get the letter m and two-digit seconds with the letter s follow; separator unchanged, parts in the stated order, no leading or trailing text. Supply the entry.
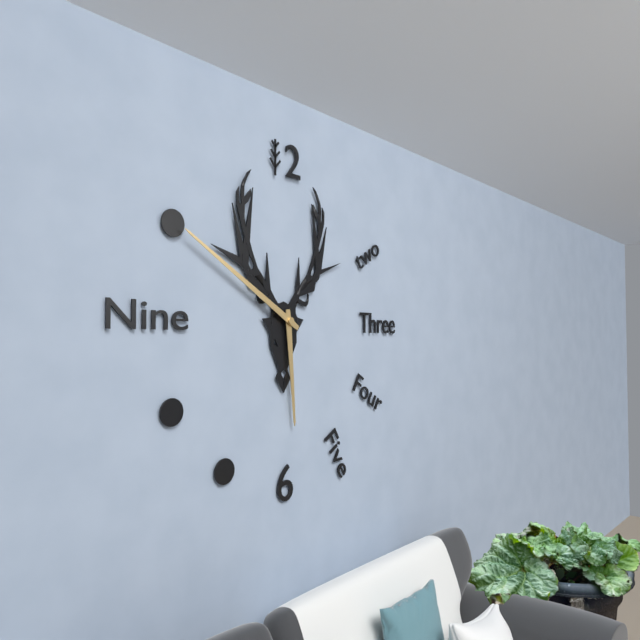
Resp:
5h50
